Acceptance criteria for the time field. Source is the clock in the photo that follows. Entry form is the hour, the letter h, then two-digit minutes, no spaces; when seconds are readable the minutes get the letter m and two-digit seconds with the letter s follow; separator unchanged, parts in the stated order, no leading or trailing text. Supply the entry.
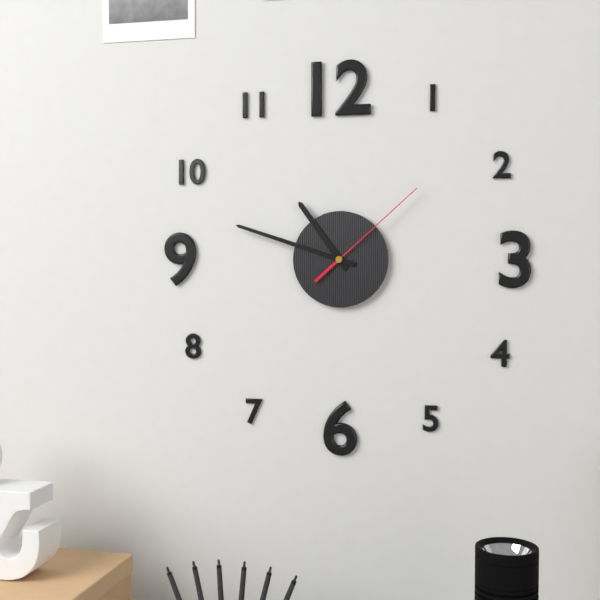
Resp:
10h48m08s
